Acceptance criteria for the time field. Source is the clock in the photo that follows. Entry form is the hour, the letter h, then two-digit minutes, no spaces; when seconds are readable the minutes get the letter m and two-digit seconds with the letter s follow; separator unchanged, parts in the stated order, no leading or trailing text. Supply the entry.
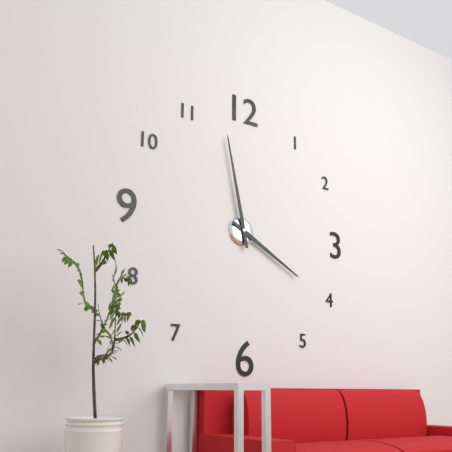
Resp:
3h58
